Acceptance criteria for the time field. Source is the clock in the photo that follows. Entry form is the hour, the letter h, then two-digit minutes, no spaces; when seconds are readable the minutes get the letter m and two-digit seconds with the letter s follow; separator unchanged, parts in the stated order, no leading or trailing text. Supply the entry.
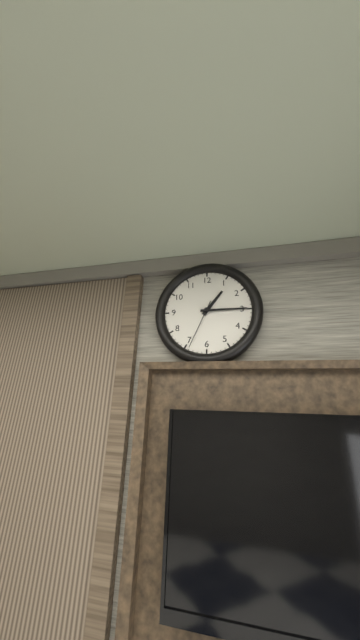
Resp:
1h15m34s
